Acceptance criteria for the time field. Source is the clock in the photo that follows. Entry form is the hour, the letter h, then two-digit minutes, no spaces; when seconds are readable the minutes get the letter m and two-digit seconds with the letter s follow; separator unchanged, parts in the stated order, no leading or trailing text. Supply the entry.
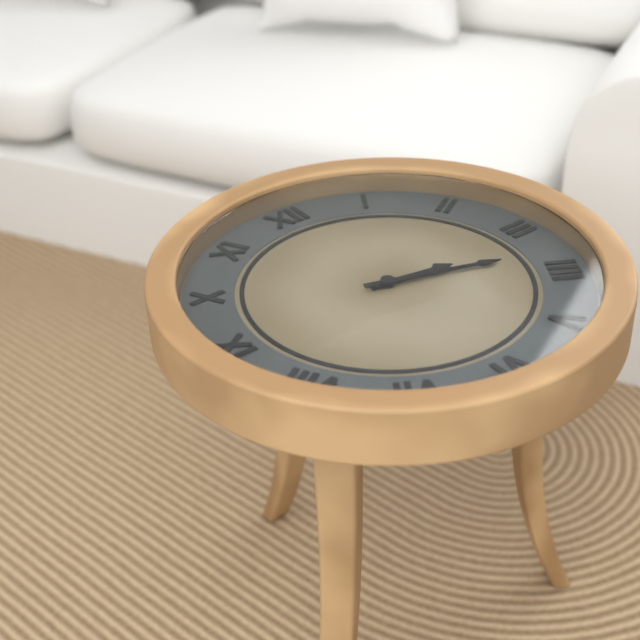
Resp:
3h18
